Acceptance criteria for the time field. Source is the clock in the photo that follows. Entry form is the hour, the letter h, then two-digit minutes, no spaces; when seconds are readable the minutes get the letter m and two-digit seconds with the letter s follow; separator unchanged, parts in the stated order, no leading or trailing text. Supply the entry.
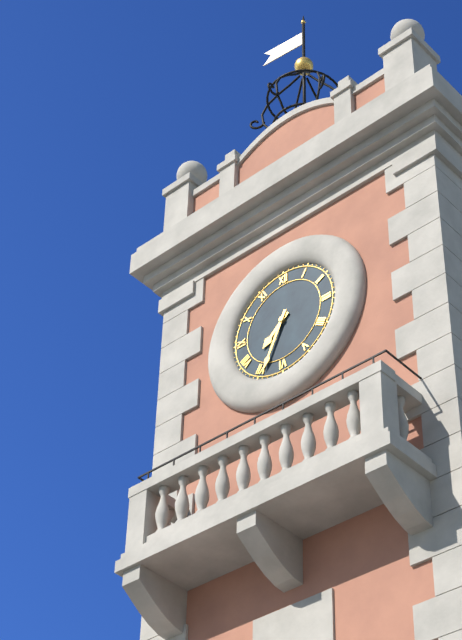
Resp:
7h34
